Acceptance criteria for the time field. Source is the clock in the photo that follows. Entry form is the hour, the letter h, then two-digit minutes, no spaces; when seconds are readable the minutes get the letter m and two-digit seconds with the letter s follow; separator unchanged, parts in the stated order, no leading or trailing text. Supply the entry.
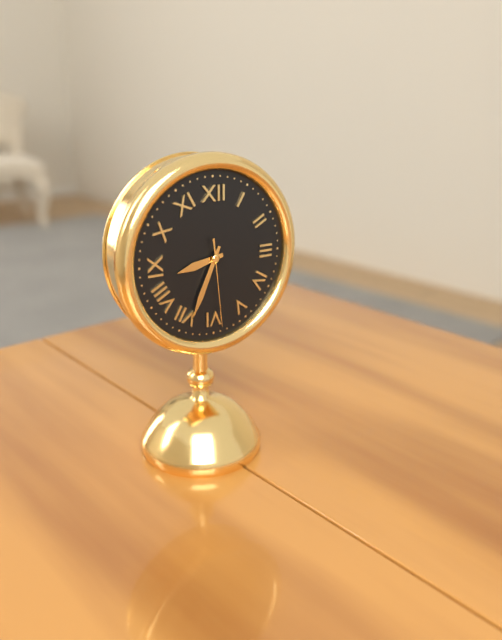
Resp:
8h34m29s
